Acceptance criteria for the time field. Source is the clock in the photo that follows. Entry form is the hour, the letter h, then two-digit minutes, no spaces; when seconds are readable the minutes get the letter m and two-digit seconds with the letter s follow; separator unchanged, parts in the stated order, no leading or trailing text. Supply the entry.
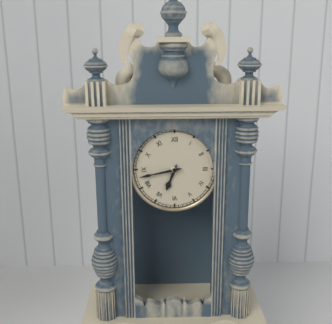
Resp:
6h43
